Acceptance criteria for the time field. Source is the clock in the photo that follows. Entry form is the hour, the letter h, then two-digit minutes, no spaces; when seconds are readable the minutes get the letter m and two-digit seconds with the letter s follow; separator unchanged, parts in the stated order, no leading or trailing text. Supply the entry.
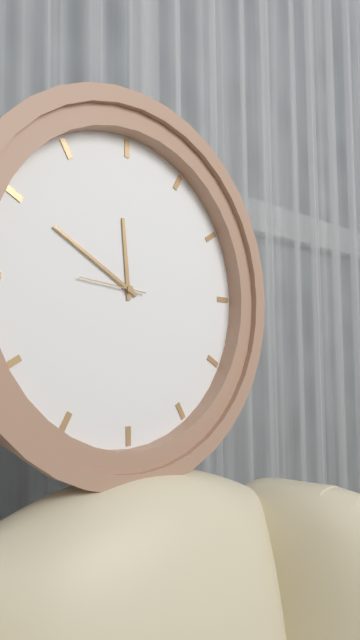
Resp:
11h50m46s
